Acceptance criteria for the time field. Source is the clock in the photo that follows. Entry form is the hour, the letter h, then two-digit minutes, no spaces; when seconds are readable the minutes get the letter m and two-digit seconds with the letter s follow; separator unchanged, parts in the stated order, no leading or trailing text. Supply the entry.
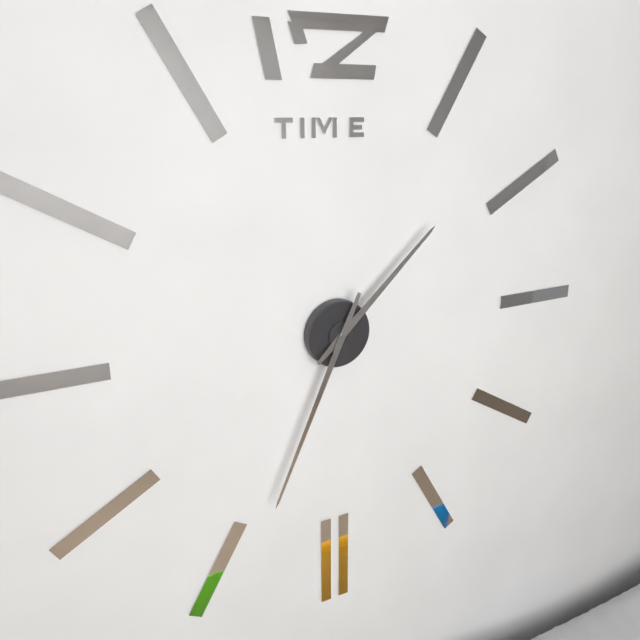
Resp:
1h34
